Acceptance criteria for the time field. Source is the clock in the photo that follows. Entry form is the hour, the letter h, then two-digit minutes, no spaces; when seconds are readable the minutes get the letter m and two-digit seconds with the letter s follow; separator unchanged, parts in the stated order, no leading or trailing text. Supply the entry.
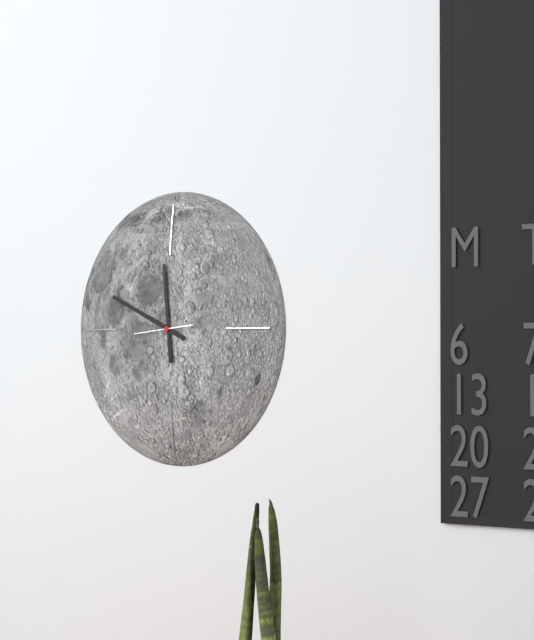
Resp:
11h49
